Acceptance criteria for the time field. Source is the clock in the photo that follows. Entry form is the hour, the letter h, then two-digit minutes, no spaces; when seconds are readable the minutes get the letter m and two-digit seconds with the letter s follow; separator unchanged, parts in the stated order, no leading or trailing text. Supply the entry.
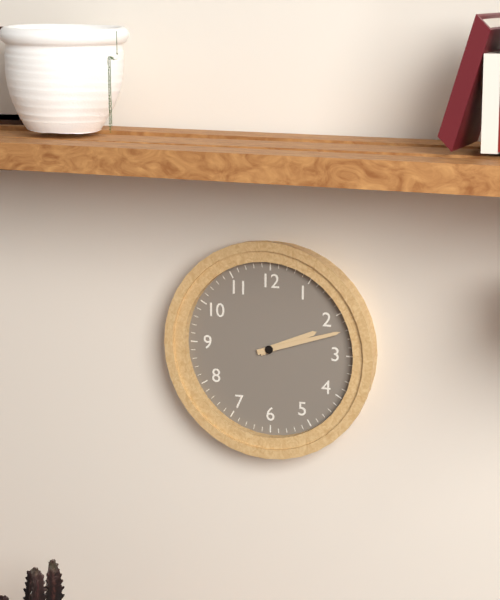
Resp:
2h12
